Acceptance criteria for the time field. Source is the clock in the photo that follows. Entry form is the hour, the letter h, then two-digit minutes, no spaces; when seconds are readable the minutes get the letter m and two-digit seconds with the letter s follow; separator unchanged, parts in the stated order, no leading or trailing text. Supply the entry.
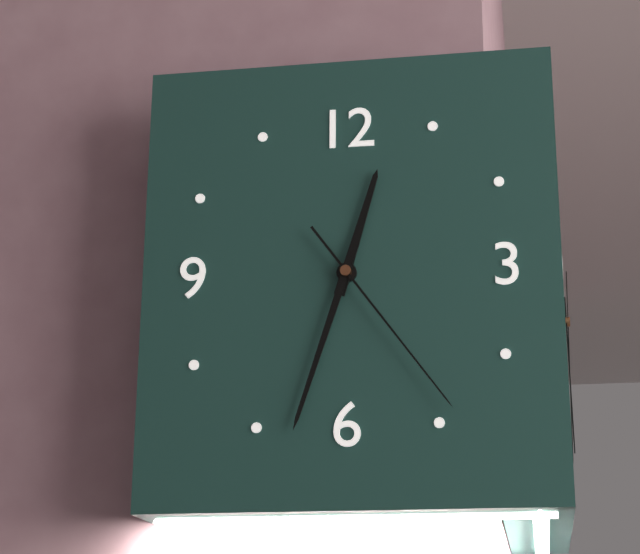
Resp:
12h33m24s
